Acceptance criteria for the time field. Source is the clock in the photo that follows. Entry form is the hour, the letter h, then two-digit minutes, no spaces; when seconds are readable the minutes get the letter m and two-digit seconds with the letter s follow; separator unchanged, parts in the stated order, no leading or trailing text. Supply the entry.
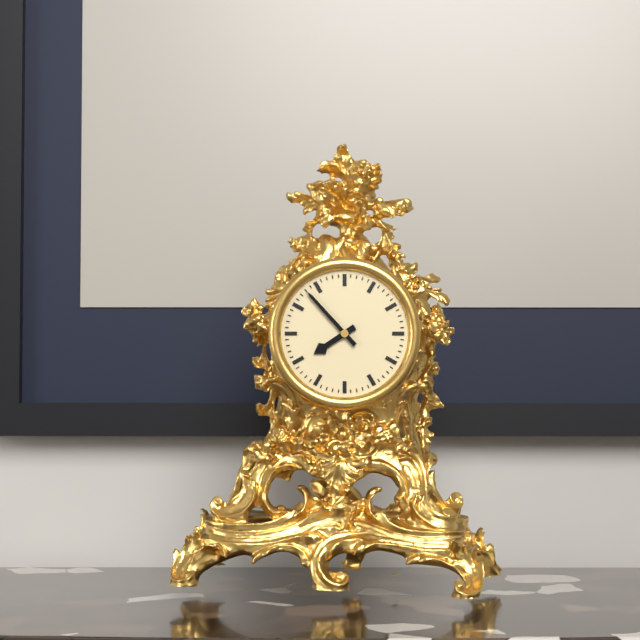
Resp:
7h53
